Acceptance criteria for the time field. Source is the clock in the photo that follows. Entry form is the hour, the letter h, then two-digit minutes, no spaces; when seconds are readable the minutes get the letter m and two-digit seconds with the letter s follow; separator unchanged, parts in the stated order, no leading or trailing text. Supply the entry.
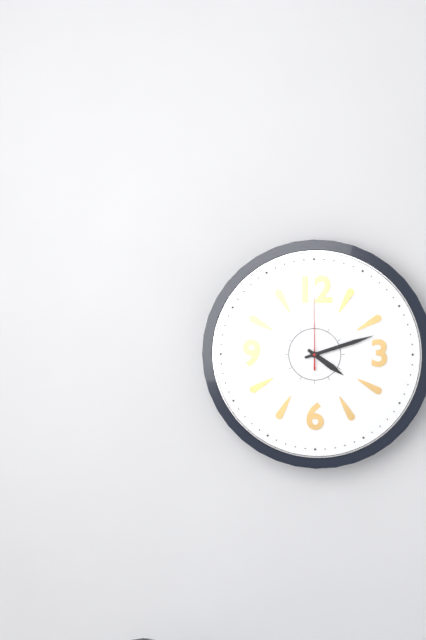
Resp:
4h12m00s
